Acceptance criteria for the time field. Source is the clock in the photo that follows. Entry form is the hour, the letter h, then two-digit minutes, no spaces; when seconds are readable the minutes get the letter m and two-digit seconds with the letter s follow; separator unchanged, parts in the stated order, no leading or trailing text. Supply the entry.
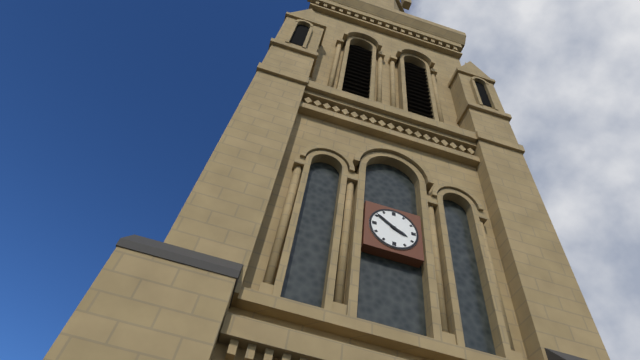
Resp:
3h51
